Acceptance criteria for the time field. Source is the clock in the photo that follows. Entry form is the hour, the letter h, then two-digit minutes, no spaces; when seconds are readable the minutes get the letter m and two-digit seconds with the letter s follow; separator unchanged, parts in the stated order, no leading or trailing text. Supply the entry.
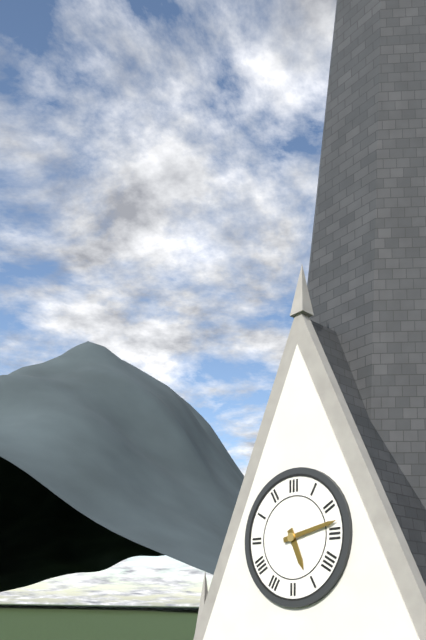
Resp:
5h13
